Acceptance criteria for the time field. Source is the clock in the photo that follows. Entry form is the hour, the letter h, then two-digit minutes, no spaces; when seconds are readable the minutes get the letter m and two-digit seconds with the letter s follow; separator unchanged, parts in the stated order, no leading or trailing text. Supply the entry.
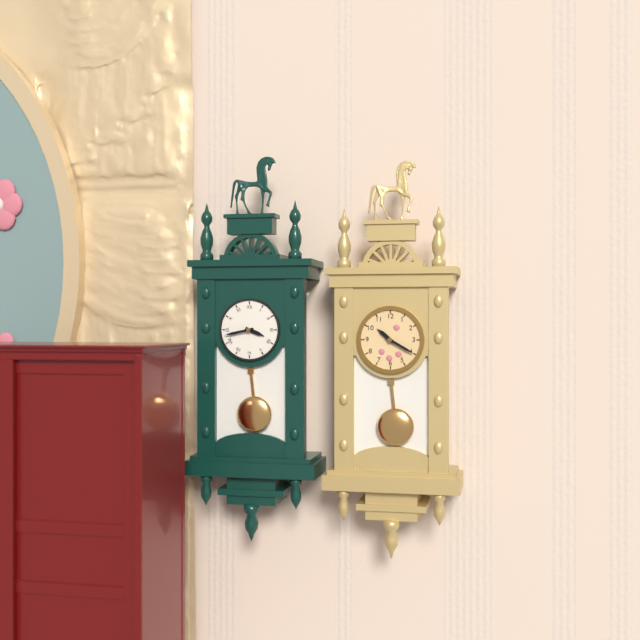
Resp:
3h43
